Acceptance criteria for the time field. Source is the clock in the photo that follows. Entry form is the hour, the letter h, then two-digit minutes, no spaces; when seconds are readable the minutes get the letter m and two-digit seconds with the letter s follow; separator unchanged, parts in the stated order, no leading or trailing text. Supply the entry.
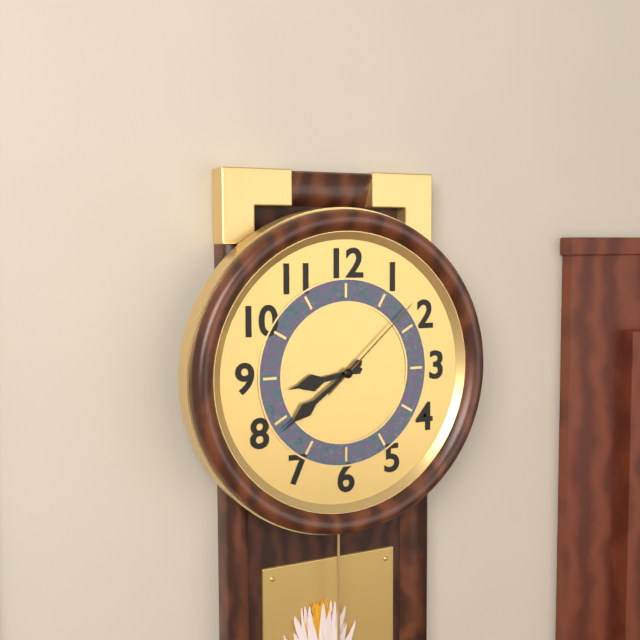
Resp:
8h39m08s
